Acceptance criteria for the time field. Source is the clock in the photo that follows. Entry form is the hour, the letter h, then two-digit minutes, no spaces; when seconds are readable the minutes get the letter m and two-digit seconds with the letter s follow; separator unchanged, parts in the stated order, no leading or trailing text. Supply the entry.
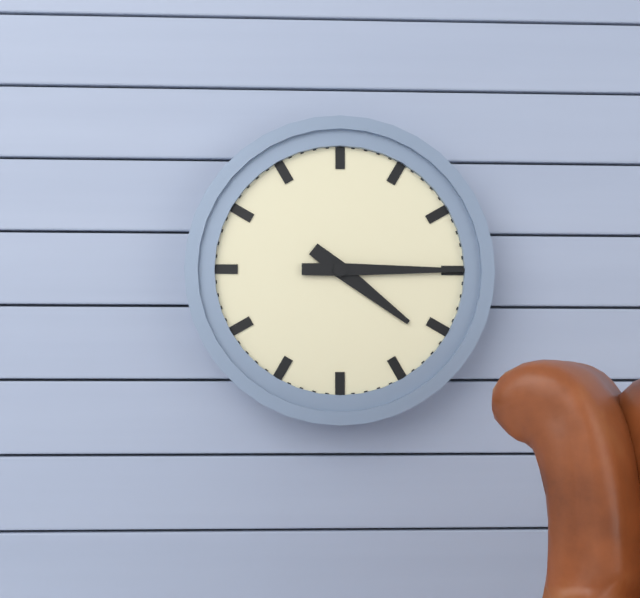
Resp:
4h15
